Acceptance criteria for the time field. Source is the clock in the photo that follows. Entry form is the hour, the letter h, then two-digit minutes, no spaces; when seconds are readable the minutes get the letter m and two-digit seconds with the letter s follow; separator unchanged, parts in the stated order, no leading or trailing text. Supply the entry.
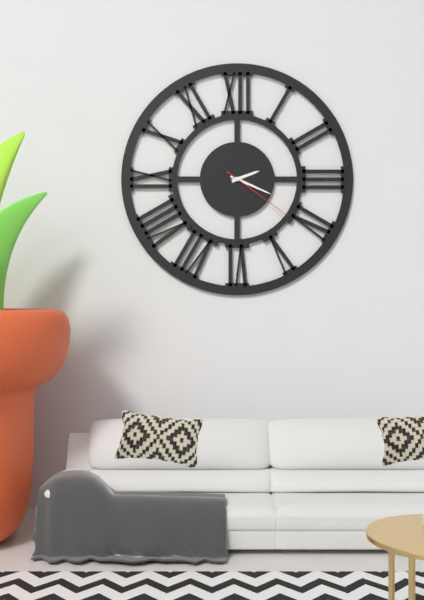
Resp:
2h19m21s
